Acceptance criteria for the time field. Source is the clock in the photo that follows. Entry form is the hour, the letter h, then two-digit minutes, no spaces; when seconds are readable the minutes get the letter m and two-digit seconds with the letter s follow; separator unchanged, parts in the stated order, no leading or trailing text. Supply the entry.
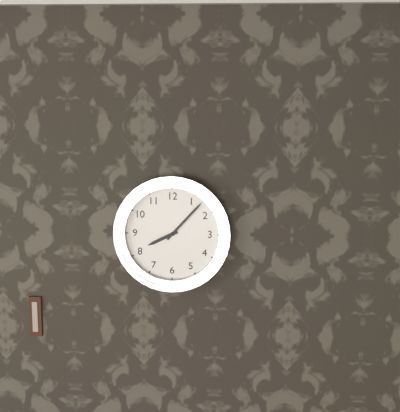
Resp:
8h07
